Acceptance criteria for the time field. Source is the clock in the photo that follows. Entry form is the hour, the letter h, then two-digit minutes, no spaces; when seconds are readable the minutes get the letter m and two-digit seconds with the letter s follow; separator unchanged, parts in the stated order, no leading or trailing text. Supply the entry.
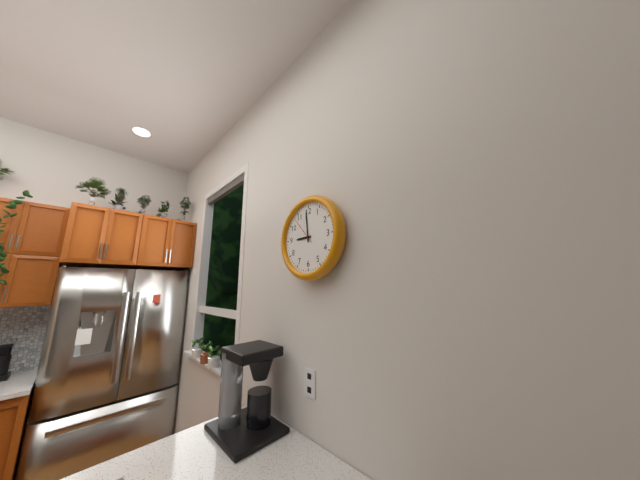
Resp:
8h59
